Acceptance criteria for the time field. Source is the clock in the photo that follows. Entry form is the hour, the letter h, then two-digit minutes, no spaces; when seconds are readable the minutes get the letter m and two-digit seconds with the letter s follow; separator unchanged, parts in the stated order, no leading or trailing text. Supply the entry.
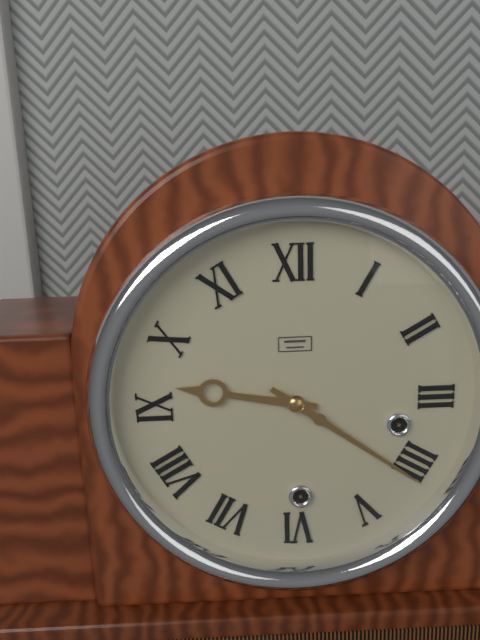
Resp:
9h21
